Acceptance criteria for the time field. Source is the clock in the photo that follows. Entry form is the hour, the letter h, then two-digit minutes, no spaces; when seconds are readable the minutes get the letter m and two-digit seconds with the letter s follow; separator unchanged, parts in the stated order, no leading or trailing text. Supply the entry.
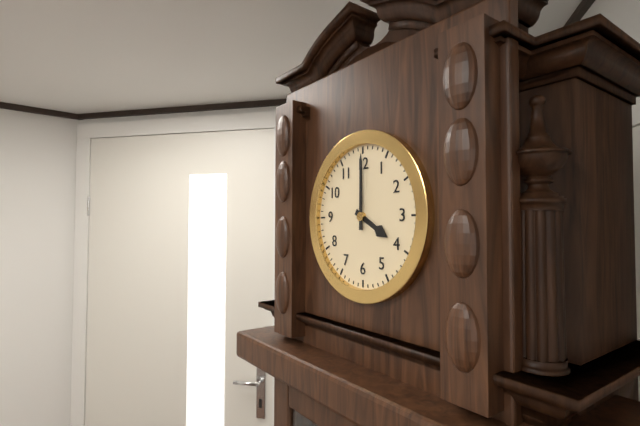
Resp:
4h00
